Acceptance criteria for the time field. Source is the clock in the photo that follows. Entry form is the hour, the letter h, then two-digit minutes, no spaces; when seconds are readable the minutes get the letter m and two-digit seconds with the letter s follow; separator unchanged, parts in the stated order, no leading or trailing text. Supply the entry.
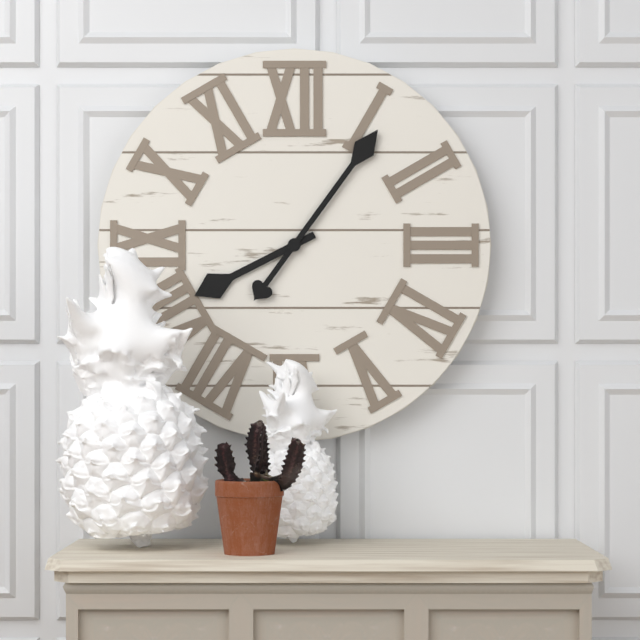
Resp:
8h06
